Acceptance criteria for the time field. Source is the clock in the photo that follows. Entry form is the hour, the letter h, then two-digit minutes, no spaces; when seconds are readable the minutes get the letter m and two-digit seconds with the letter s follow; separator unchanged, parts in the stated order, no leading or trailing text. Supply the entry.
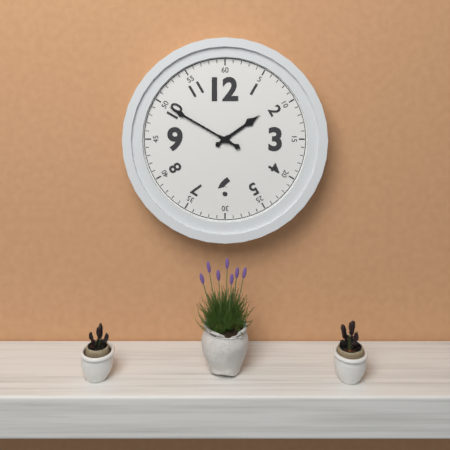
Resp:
1h50
